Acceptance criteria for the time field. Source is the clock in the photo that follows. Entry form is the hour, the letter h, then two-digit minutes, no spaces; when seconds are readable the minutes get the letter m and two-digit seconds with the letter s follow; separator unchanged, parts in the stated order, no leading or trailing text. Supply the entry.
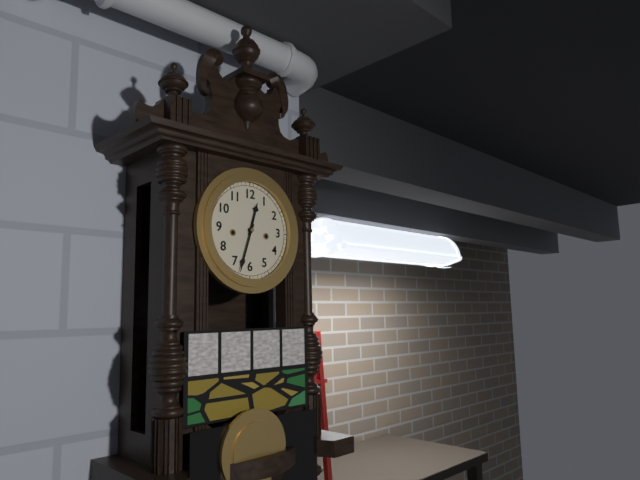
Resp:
12h33
